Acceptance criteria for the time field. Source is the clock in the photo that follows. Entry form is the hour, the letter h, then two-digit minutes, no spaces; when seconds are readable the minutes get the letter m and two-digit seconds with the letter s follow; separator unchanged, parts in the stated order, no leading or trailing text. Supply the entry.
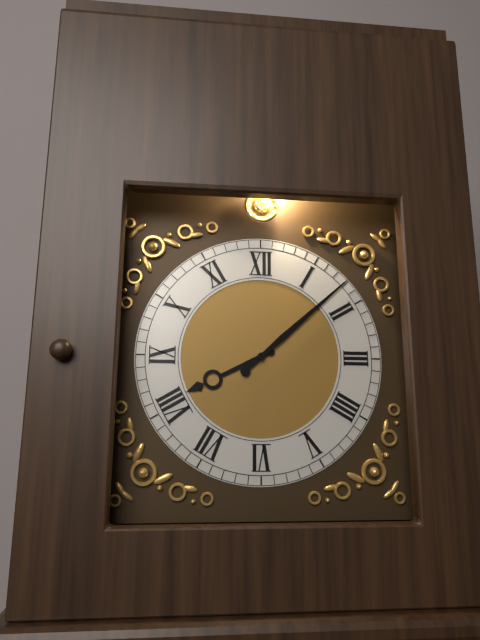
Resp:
8h08
